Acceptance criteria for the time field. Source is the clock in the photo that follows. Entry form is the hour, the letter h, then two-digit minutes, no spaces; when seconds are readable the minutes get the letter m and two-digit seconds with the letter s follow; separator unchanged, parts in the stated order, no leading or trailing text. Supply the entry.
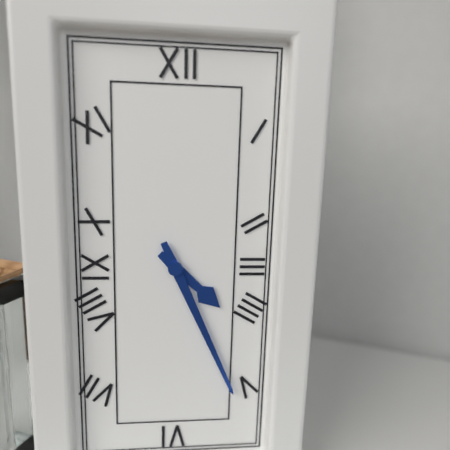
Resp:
4h26
